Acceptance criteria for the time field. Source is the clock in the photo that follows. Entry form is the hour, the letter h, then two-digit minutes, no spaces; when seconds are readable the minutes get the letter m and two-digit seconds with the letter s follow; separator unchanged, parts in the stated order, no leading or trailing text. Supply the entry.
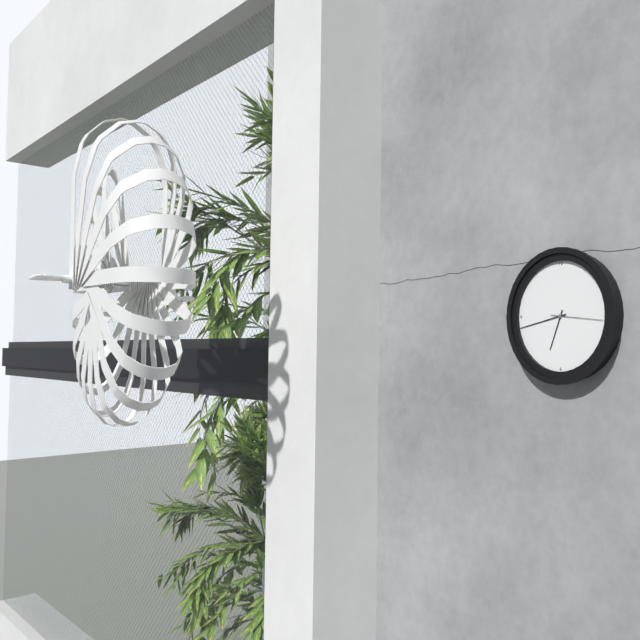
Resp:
6h43m16s
